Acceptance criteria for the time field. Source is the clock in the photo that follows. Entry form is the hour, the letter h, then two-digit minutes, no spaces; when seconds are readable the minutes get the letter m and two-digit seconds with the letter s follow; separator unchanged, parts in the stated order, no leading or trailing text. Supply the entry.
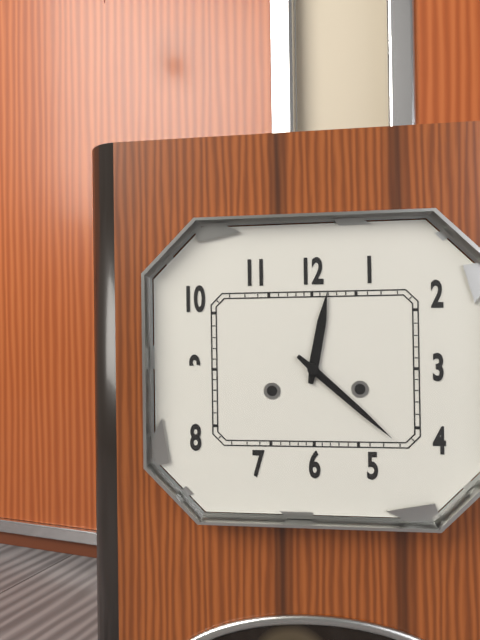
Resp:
12h22
